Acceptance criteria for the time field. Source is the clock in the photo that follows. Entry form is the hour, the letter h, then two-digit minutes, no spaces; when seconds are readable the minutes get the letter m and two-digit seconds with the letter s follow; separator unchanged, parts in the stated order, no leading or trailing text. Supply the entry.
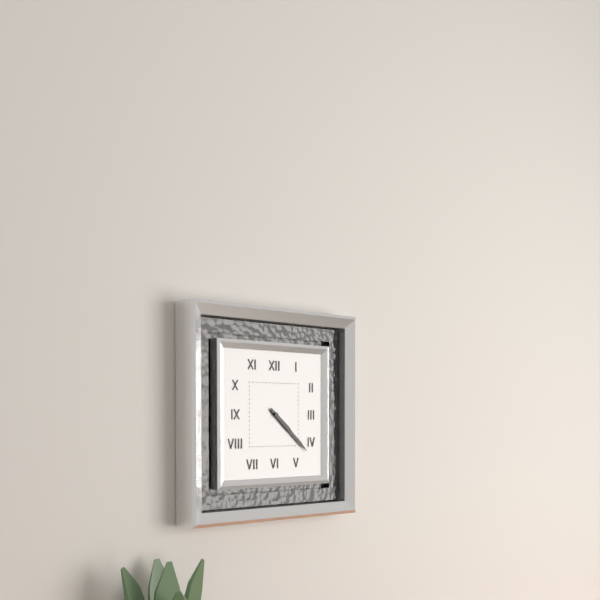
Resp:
4h22
